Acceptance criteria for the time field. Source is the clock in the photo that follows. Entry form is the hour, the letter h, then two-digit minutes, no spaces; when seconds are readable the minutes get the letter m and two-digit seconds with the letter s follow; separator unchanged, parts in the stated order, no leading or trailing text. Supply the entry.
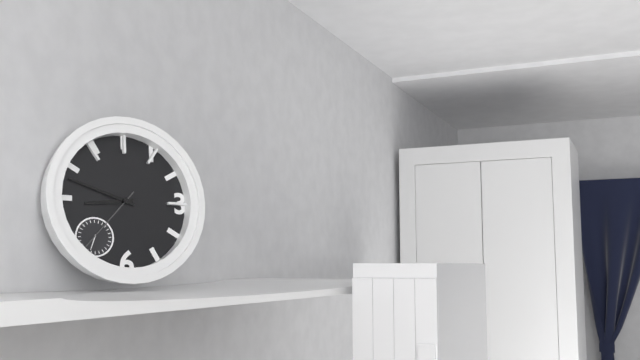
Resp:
8h48m37s
